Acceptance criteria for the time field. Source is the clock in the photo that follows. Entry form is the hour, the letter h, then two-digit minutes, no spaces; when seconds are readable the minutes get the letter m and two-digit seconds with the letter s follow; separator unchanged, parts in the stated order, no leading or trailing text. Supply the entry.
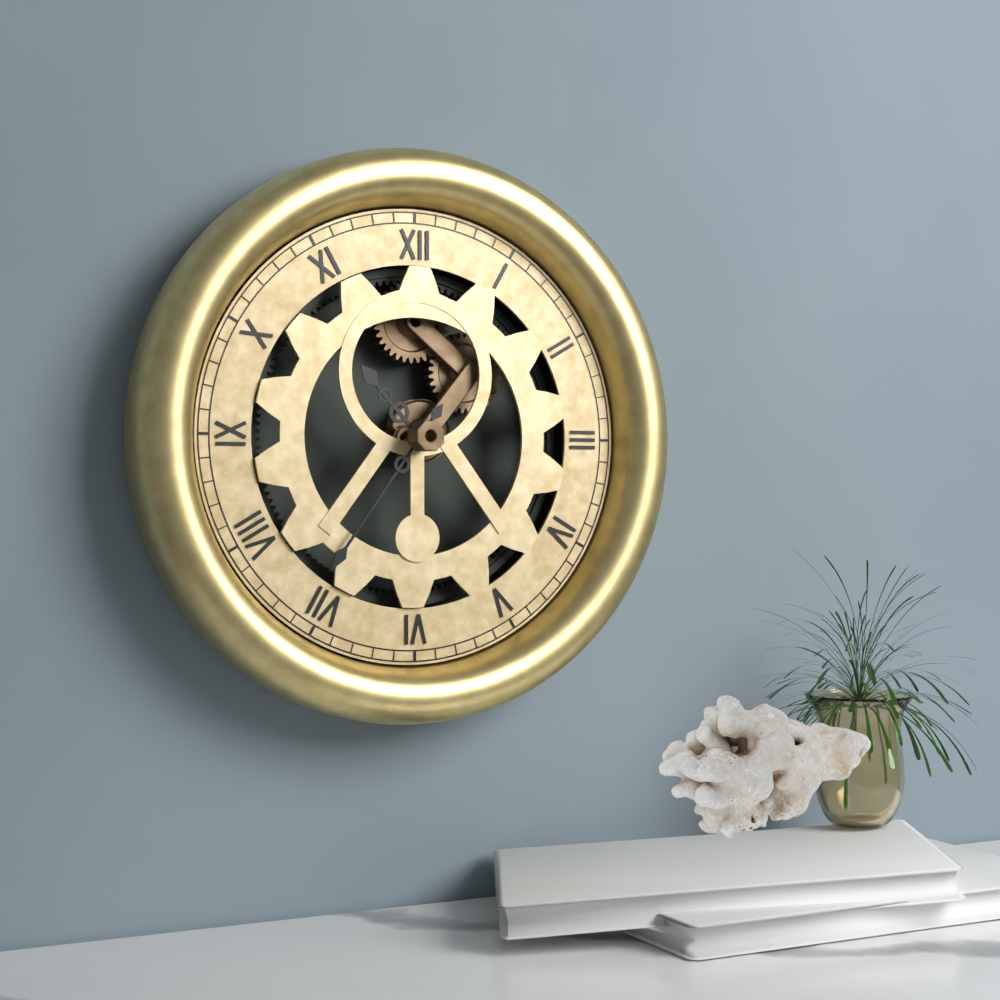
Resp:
10h36
